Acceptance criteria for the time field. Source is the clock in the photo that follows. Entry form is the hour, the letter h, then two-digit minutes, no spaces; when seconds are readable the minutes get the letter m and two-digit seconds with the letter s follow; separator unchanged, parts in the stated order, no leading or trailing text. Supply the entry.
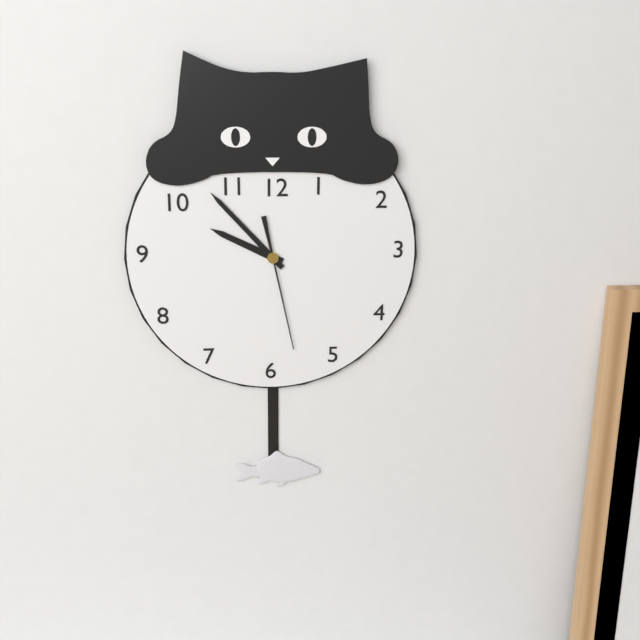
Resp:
9h53m28s
